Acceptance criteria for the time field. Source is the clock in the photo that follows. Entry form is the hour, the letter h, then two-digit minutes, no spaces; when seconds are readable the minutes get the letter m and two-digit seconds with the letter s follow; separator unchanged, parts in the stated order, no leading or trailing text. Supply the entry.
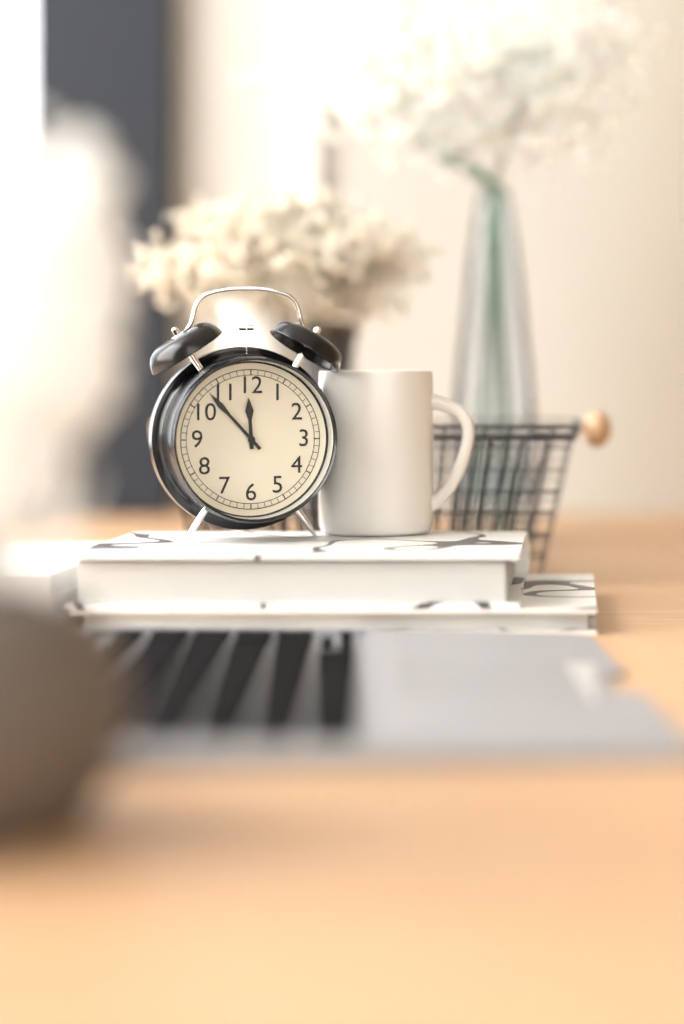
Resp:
11h53
